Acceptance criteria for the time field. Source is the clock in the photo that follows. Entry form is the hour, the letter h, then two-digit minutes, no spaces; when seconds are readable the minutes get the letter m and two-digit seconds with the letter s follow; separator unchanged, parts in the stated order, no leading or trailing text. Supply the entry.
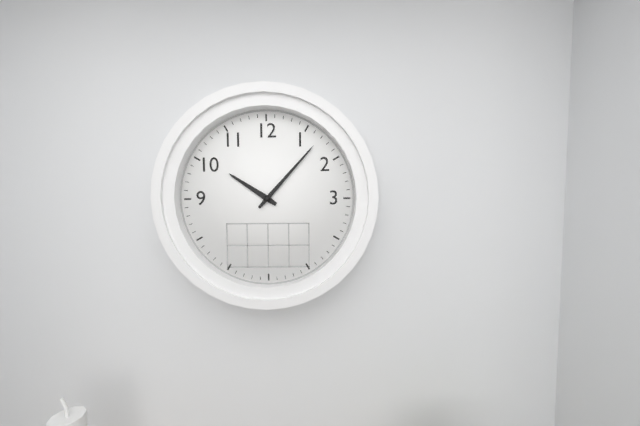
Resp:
10h07
